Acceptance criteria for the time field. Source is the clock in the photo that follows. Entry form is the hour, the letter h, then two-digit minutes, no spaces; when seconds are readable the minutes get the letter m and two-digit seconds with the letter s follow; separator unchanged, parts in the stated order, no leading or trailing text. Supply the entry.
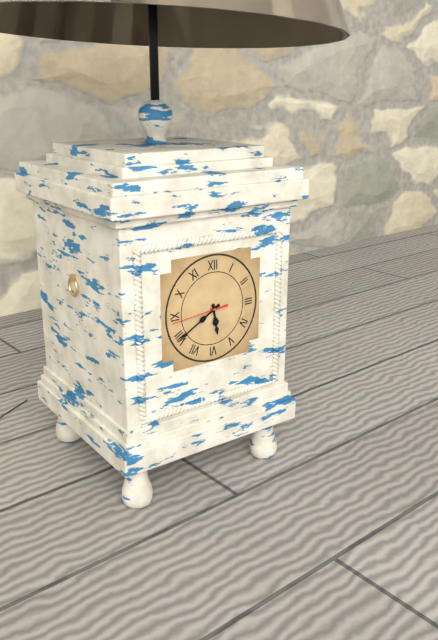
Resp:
5h40m44s
